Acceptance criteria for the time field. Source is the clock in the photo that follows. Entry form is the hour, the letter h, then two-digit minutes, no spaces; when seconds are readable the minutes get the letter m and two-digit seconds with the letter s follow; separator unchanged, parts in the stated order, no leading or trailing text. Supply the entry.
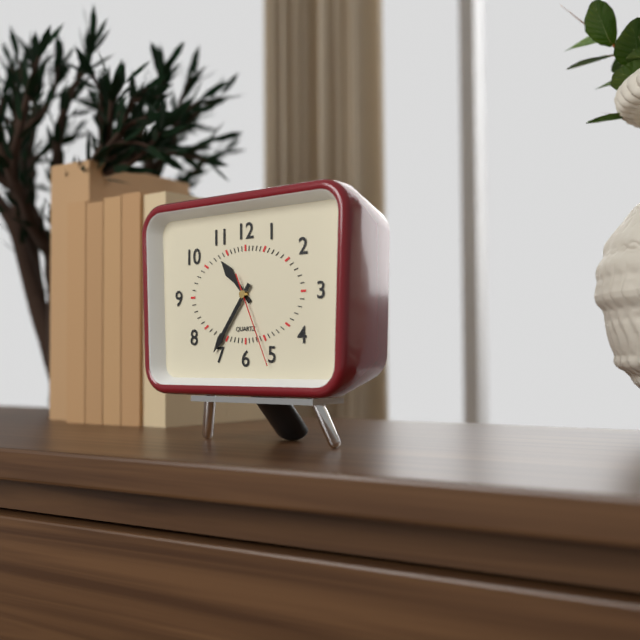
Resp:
10h36m26s
